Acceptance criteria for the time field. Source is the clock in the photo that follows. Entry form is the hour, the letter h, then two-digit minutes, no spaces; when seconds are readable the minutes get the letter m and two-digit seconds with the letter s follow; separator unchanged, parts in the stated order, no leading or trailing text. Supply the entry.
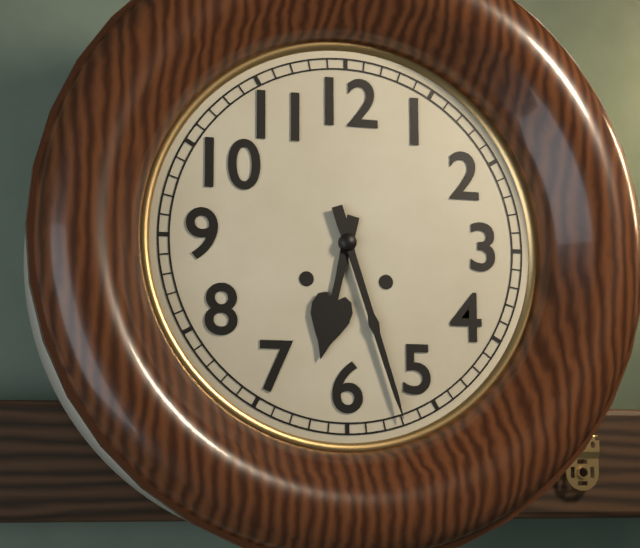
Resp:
6h27
